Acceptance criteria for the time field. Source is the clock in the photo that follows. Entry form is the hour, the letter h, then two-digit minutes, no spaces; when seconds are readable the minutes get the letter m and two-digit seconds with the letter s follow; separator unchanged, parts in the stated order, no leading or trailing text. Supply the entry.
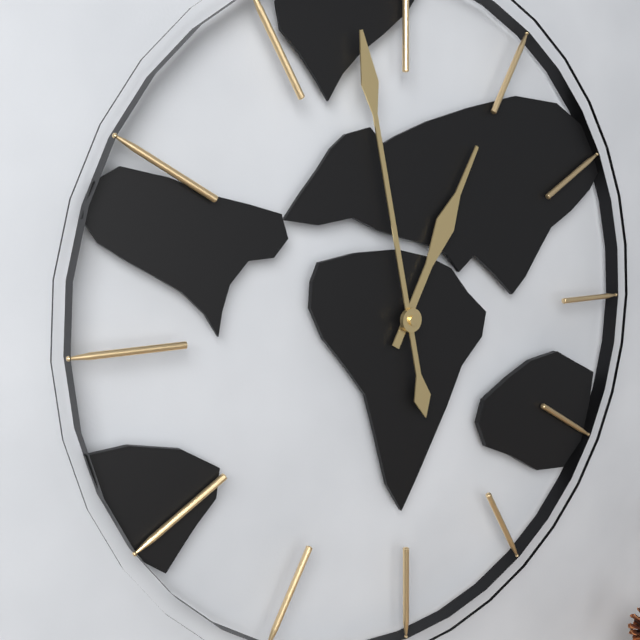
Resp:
12h58
